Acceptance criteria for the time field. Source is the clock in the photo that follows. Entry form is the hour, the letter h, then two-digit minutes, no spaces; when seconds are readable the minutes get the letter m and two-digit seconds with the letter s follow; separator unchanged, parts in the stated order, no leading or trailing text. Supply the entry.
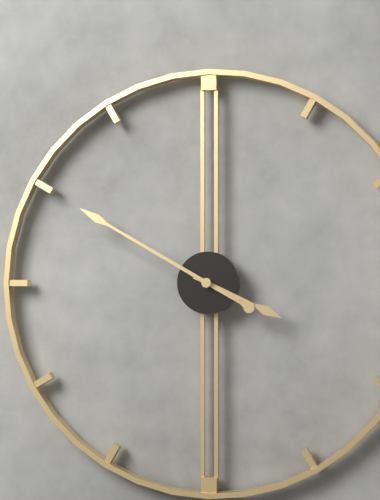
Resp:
3h50
